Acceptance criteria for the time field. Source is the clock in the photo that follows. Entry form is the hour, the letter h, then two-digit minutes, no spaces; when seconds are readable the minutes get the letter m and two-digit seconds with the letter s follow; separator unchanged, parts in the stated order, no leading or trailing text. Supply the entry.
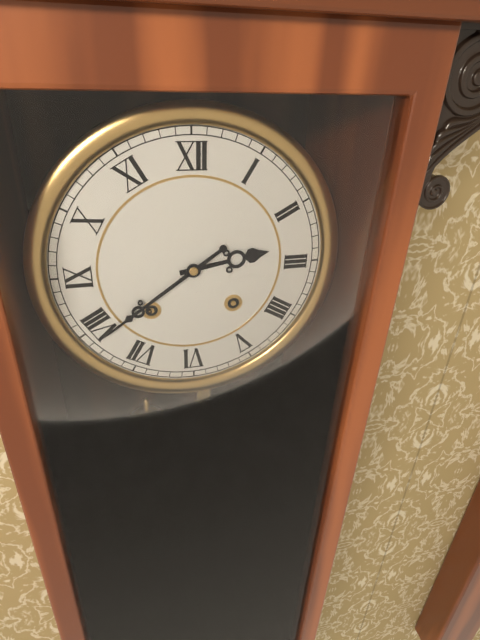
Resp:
2h39
